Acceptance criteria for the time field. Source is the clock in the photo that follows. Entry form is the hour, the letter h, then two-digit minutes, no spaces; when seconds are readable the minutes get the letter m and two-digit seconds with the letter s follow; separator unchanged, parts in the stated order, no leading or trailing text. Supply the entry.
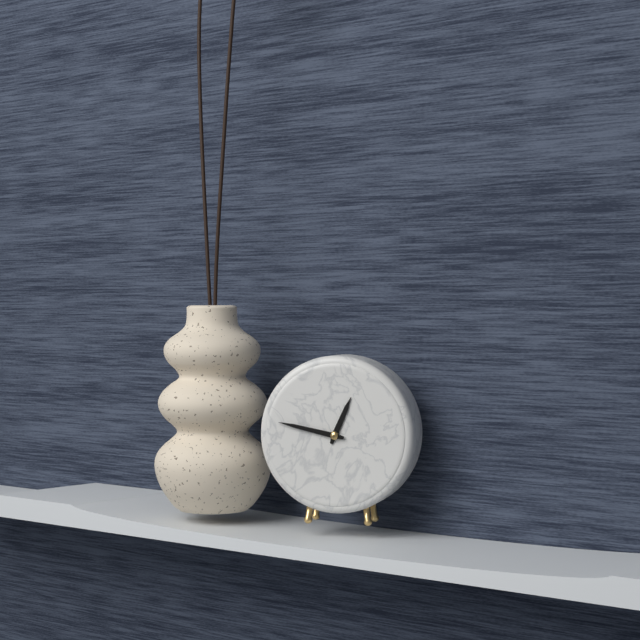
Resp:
12h47
